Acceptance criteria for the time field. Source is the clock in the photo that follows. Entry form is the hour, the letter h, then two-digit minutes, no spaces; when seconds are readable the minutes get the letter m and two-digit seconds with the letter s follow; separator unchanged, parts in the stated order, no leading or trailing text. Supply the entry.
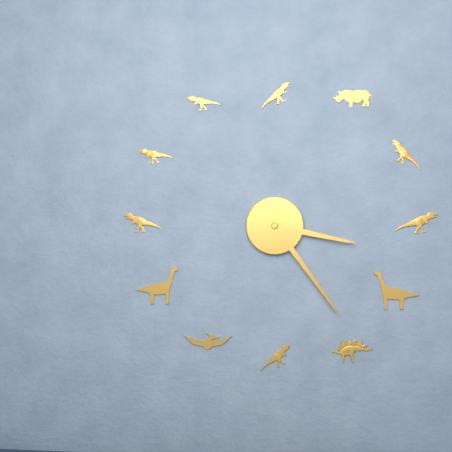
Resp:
3h24
